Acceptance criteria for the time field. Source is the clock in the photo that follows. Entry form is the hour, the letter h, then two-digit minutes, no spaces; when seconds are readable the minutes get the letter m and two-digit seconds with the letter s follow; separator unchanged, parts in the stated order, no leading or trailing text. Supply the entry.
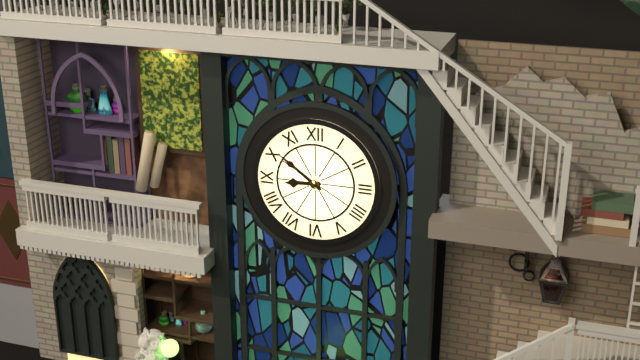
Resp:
8h51
